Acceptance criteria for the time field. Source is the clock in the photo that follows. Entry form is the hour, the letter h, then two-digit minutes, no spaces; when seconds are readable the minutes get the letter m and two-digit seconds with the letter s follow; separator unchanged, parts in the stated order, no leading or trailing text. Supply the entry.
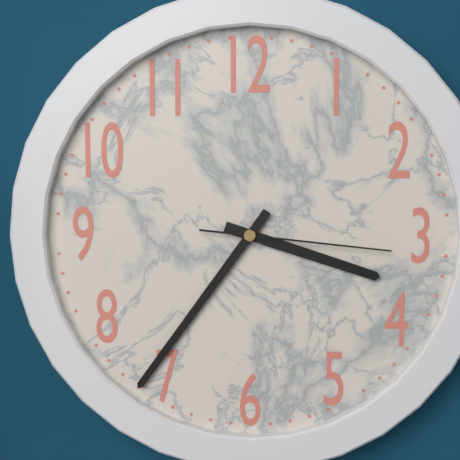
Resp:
3h36m16s
